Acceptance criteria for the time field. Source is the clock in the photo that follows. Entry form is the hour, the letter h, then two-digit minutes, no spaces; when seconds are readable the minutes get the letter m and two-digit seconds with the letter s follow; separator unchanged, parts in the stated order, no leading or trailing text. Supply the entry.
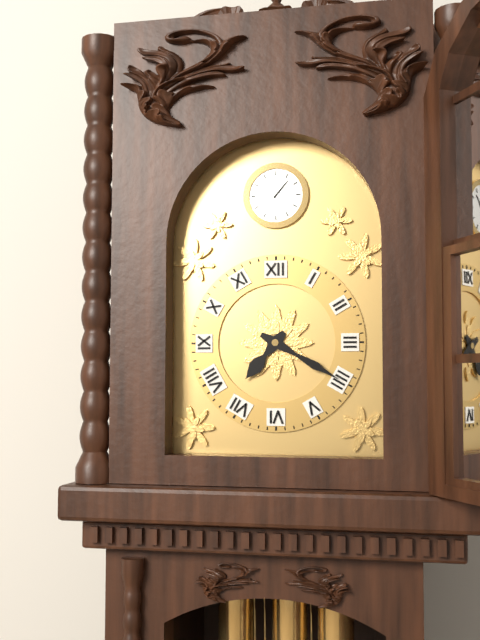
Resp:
7h20
